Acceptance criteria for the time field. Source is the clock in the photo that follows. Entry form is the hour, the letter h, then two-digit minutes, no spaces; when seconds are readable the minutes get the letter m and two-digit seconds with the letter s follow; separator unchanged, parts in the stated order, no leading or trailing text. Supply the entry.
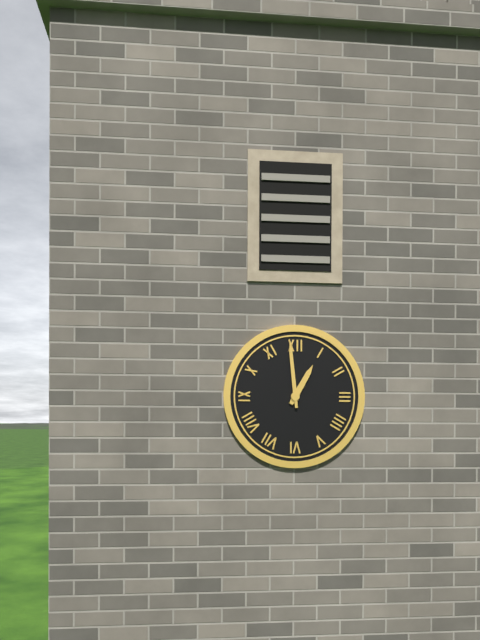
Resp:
12h59
